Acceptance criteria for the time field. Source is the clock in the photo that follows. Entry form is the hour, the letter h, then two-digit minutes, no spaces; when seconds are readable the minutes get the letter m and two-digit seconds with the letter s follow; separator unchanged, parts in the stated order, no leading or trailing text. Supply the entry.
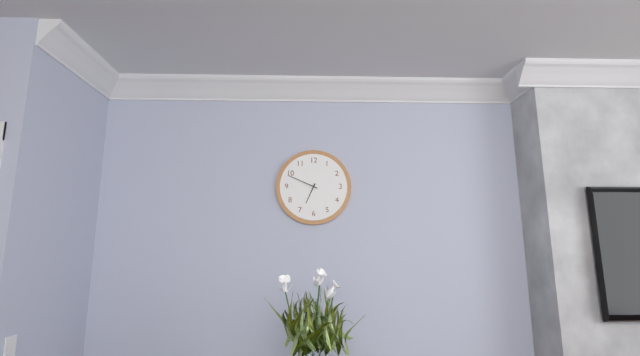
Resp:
6h49
